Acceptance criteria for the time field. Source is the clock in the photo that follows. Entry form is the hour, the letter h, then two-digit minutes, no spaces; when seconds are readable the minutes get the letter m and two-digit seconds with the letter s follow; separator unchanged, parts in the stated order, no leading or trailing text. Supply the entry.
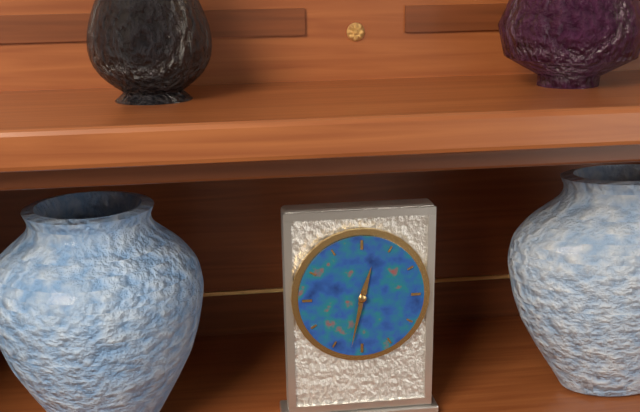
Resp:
12h32
